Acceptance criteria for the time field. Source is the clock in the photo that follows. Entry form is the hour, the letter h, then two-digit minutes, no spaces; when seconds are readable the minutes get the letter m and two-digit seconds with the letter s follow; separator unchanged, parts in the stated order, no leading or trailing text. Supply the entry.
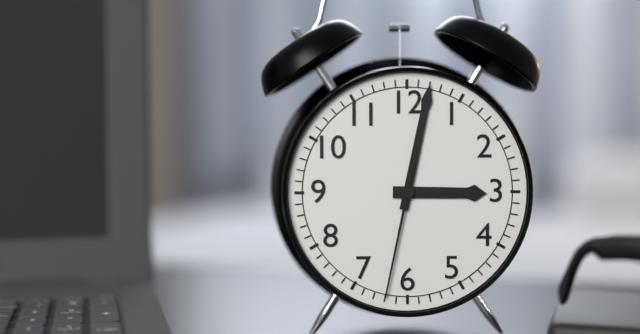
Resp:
3h02m32s
